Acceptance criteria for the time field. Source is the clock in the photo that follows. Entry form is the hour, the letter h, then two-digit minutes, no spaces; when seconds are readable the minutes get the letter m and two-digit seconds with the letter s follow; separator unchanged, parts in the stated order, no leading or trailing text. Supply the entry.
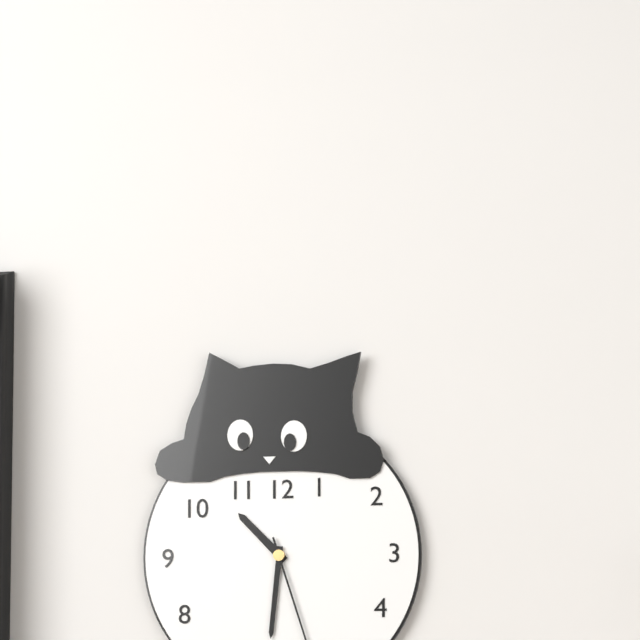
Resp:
10h31
